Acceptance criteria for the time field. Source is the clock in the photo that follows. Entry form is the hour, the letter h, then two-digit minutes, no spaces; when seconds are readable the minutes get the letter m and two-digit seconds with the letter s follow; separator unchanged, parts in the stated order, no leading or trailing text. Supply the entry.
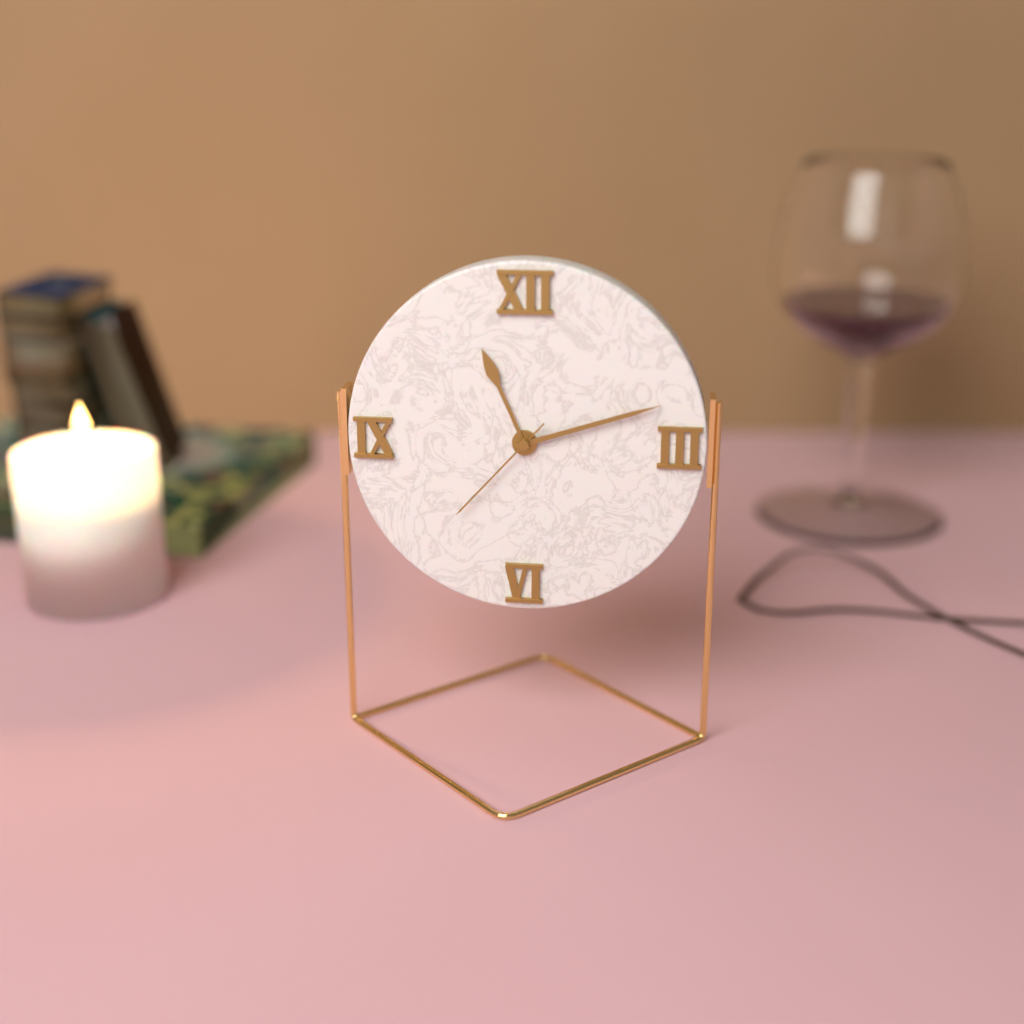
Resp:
11h12m37s
